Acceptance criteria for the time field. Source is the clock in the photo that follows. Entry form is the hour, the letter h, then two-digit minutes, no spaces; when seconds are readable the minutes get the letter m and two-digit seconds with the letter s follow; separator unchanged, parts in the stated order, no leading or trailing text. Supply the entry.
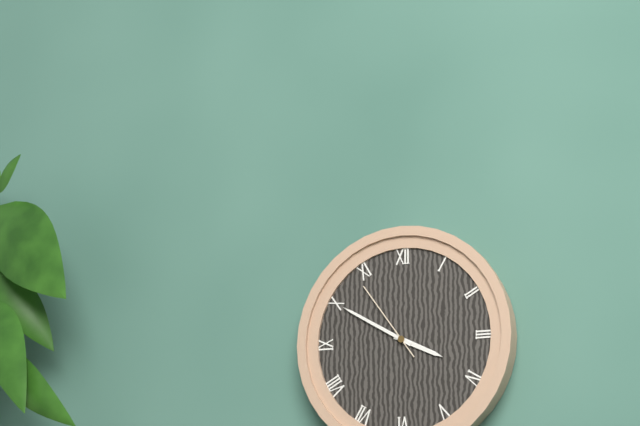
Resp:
3h50m54s
